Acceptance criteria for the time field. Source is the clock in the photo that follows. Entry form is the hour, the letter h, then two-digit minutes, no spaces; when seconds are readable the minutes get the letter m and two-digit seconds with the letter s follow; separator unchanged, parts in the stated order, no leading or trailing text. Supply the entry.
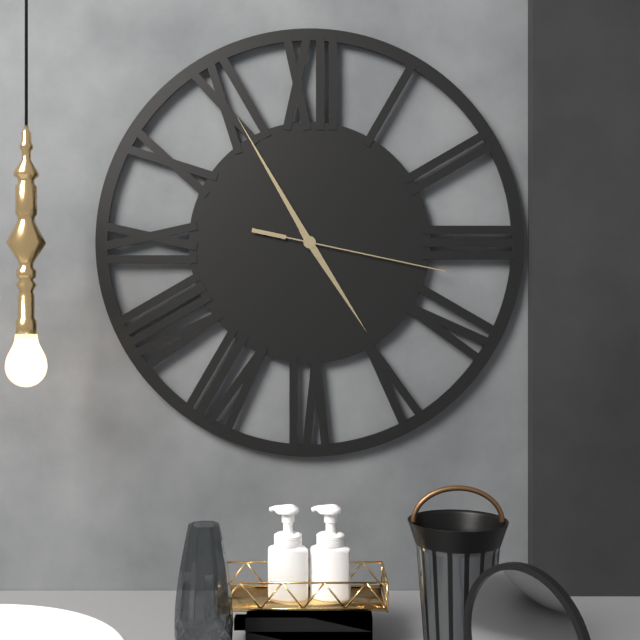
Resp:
4h55m17s
